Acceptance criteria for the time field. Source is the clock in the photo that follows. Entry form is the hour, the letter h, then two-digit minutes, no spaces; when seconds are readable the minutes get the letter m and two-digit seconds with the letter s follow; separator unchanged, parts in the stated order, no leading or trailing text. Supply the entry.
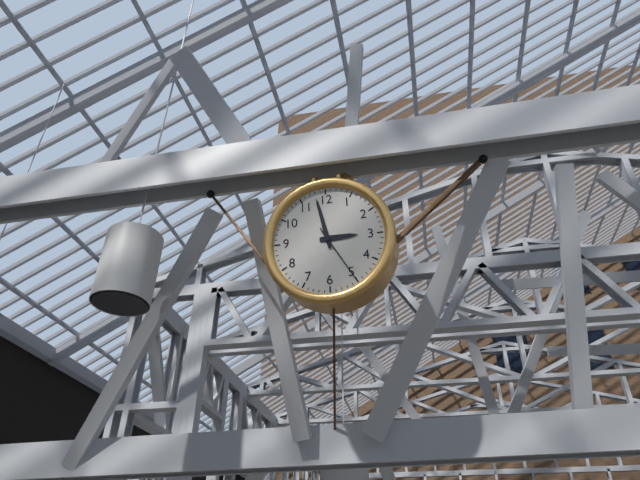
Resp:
2h58m25s
